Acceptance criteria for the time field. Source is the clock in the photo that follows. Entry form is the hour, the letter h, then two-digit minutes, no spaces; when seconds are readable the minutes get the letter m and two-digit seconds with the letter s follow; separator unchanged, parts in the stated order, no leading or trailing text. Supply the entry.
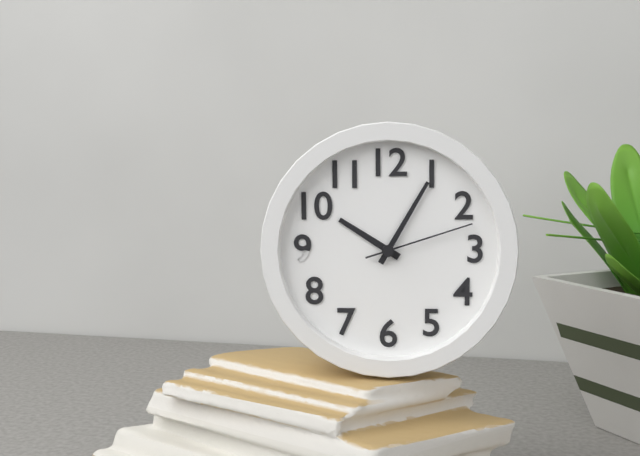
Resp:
10h05m12s
